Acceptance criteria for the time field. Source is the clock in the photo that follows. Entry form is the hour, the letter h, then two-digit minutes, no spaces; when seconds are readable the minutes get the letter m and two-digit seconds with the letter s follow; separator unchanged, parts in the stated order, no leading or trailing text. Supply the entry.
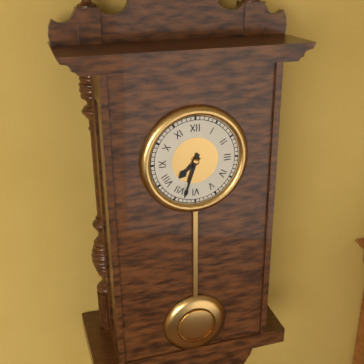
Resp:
7h33
